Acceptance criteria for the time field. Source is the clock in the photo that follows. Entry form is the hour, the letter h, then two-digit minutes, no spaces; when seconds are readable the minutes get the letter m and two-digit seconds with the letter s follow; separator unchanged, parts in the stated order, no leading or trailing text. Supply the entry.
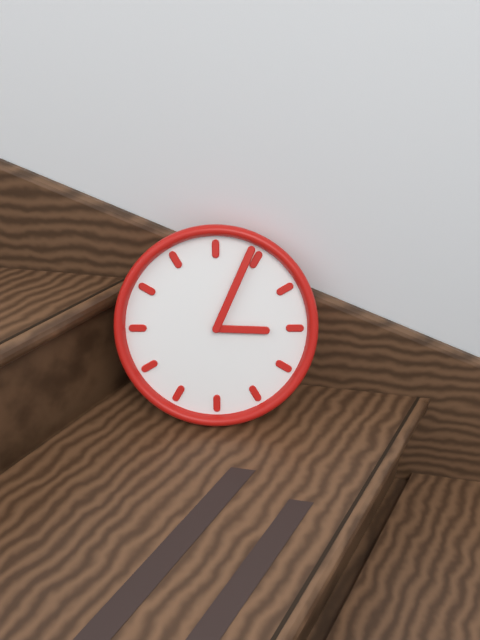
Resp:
3h04
